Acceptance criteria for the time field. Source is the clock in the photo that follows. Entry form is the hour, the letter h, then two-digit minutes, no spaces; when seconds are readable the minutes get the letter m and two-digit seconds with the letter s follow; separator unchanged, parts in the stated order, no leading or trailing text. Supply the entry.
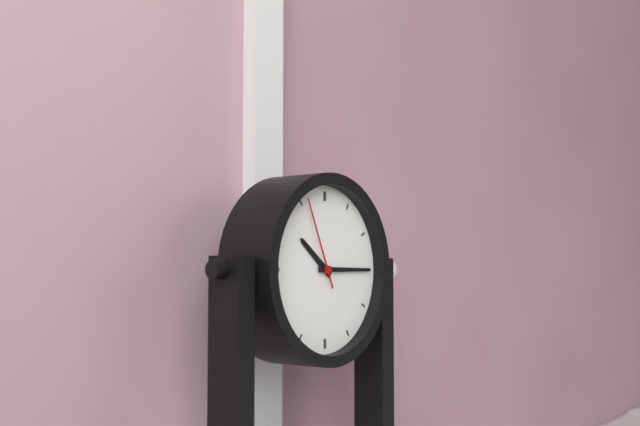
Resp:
10h15m56s
